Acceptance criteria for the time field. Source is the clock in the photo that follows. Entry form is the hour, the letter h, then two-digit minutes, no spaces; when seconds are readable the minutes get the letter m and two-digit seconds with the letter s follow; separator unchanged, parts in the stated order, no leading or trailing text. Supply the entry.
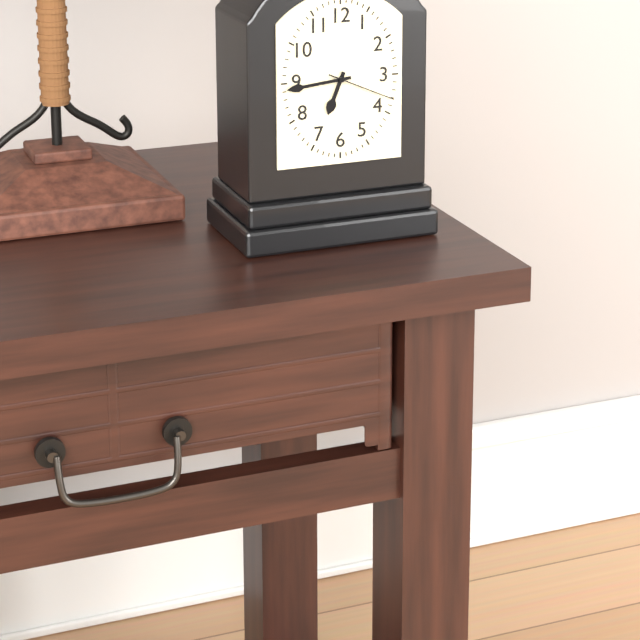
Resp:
6h44m19s
